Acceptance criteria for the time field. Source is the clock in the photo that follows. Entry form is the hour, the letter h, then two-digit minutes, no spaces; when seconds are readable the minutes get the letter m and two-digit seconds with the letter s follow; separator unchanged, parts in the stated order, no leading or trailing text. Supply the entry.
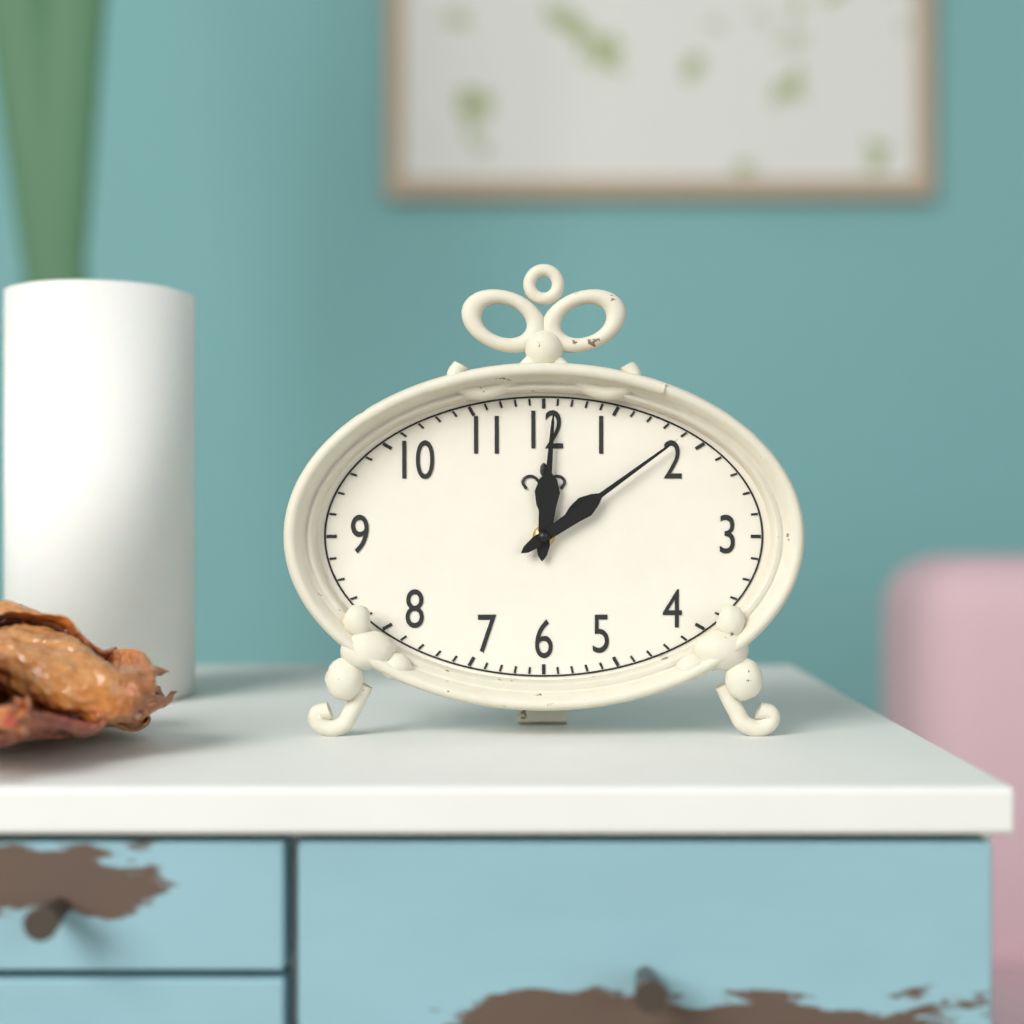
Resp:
12h09
